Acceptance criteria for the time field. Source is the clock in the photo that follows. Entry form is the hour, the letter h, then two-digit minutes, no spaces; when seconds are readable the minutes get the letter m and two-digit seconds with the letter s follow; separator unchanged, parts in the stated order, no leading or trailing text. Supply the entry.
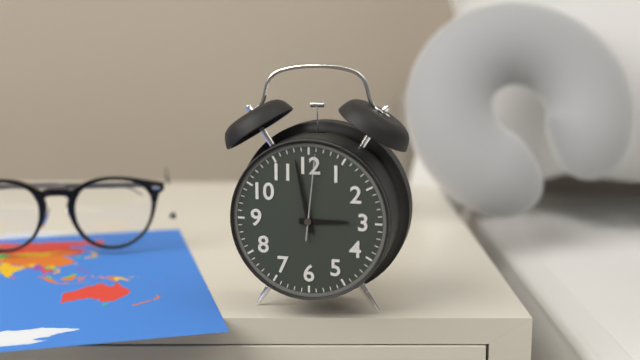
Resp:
2h58m01s
